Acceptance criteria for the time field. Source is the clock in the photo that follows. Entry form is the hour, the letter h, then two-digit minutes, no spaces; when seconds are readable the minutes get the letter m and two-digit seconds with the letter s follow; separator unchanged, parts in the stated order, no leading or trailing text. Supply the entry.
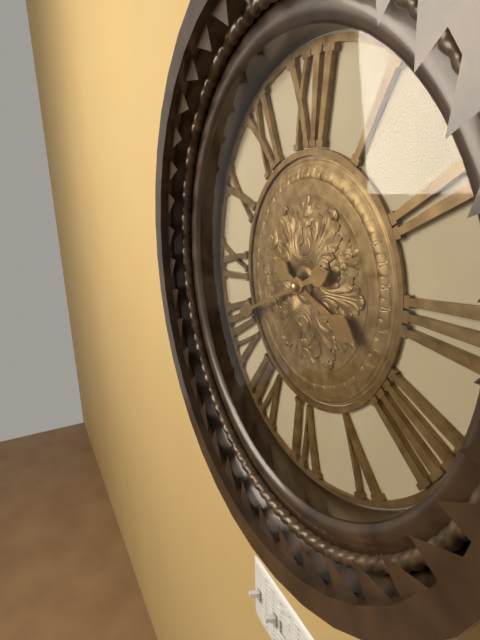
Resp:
3h41
